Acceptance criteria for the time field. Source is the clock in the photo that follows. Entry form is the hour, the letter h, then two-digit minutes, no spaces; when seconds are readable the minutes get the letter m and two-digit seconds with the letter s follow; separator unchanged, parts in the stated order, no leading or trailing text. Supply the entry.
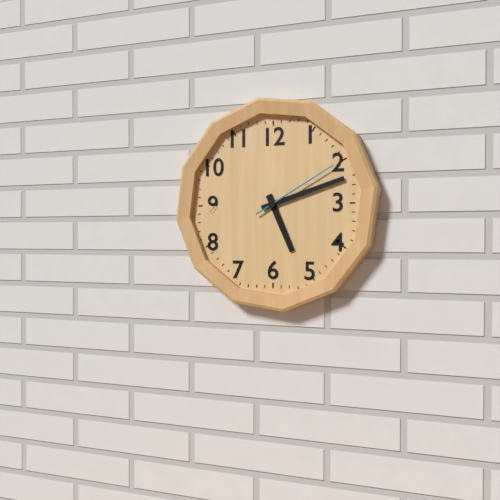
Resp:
5h12m10s
